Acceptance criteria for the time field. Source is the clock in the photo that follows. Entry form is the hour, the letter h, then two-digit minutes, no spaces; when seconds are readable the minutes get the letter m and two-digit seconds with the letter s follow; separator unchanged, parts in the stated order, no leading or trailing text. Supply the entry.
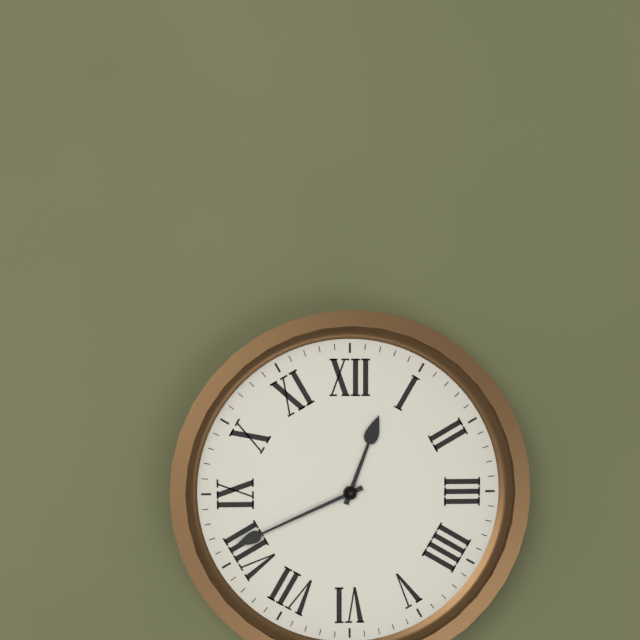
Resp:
12h41
